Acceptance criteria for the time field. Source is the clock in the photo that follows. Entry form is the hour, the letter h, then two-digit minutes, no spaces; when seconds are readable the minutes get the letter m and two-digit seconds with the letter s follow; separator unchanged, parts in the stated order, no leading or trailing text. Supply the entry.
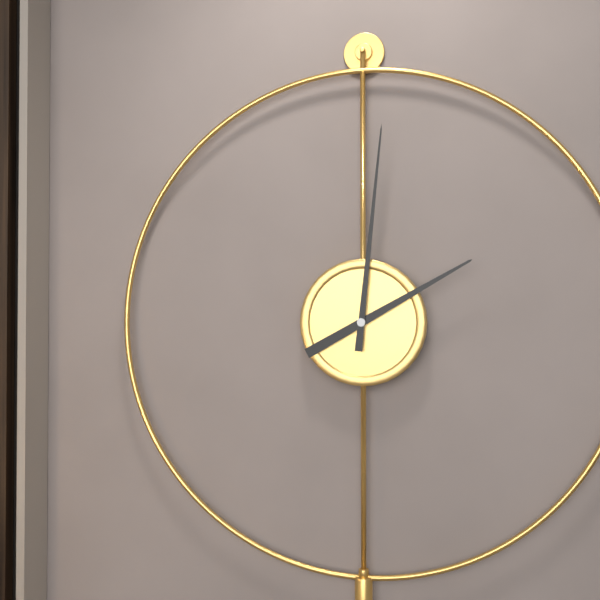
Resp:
2h01
